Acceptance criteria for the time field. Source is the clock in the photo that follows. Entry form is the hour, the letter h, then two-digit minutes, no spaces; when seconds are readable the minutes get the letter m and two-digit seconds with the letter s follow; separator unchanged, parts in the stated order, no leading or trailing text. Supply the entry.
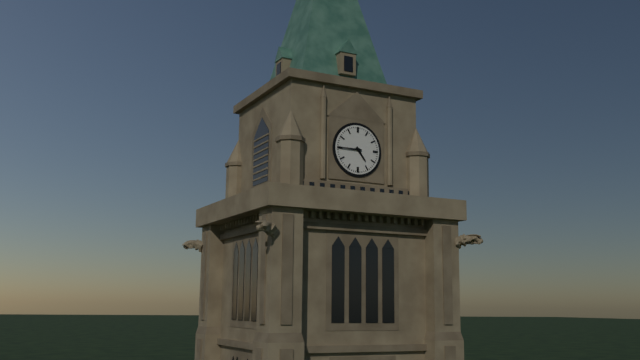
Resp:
4h45
